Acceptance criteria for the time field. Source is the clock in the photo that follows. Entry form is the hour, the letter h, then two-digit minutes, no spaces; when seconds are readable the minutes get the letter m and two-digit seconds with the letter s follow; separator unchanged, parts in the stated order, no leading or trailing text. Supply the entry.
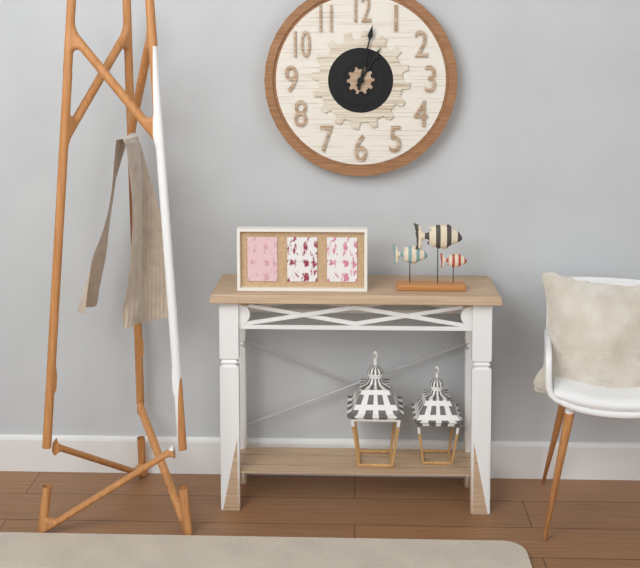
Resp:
1h02
